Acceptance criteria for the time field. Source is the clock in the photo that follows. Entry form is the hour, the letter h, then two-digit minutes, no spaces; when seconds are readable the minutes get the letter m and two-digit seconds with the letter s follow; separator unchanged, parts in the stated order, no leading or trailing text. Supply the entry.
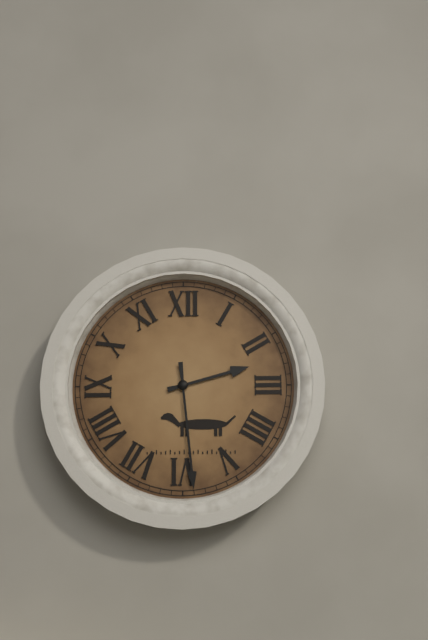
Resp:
2h29
